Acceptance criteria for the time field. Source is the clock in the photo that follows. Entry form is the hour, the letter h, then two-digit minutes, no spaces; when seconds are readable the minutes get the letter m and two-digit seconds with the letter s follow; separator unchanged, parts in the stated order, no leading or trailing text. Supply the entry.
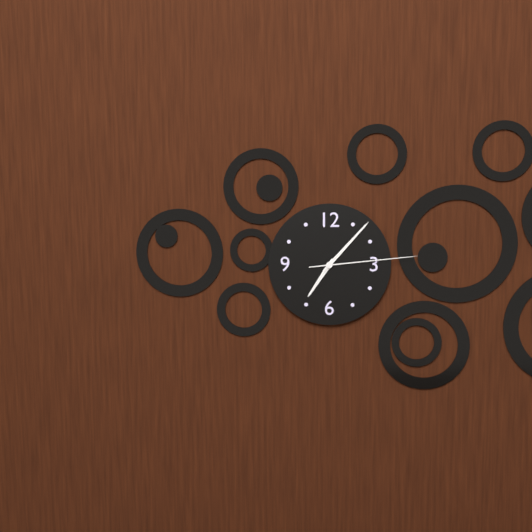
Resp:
7h07m14s
